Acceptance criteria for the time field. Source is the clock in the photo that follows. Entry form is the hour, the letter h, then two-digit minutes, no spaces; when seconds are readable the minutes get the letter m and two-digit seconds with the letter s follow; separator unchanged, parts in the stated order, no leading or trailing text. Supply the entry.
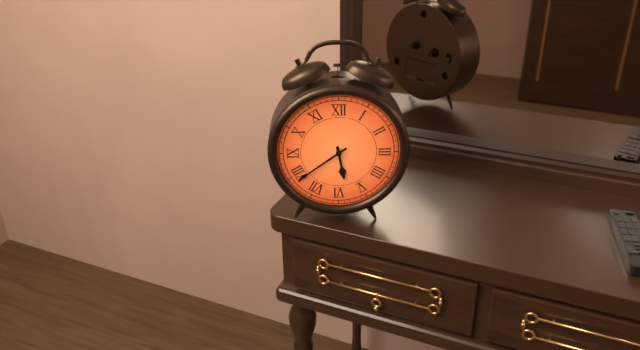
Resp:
5h39
